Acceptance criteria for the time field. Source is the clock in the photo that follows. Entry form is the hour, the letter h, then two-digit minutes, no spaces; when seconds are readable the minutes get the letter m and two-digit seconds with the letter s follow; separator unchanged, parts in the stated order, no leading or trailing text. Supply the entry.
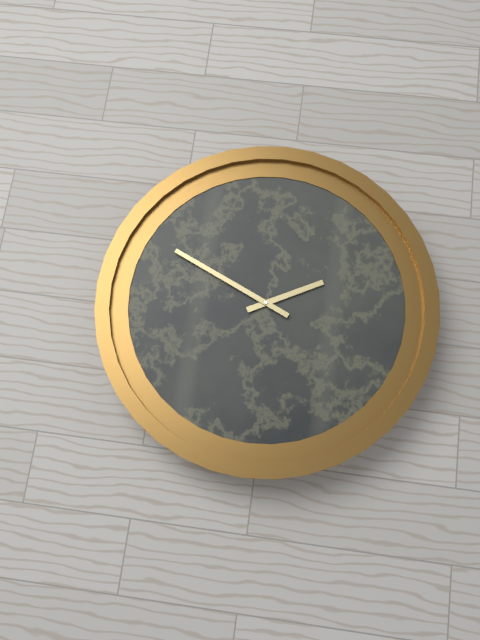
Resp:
5h04
